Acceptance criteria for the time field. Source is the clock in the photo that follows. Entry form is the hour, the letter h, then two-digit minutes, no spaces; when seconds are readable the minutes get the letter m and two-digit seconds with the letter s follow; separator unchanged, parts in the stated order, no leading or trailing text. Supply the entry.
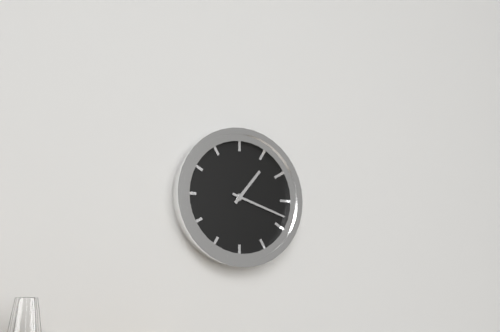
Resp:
1h18
